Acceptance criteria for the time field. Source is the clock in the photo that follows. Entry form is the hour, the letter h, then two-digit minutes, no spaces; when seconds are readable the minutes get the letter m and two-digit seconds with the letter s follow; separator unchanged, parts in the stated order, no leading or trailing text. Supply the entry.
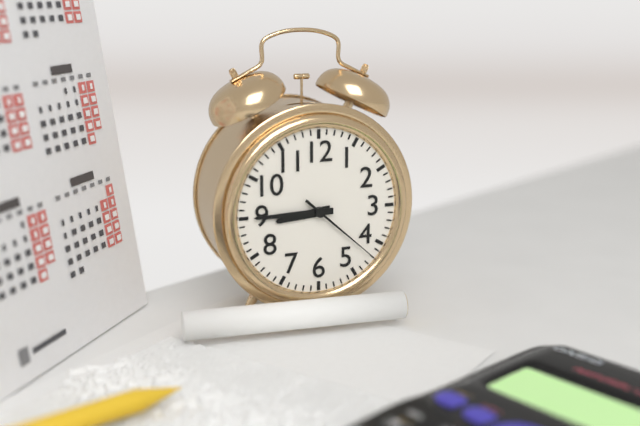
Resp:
8h45m22s
